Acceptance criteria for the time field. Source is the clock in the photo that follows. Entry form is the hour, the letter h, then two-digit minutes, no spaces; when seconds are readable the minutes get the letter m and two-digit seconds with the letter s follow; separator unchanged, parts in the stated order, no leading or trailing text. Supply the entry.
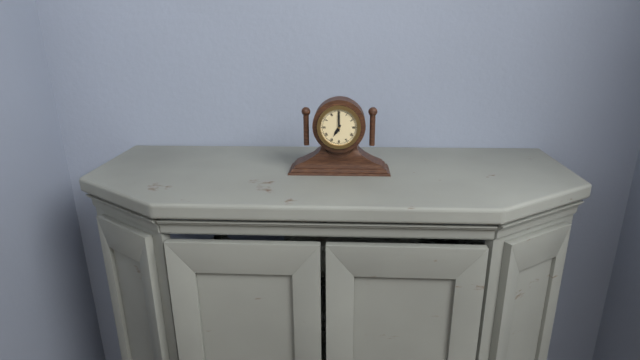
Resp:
7h00
